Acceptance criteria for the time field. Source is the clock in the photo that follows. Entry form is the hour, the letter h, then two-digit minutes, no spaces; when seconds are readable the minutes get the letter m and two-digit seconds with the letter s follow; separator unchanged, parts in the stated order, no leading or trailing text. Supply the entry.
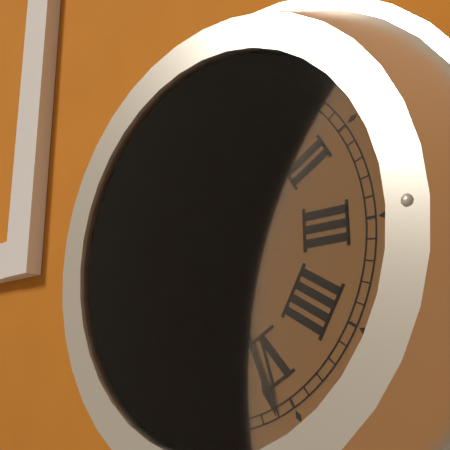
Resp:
5h26
